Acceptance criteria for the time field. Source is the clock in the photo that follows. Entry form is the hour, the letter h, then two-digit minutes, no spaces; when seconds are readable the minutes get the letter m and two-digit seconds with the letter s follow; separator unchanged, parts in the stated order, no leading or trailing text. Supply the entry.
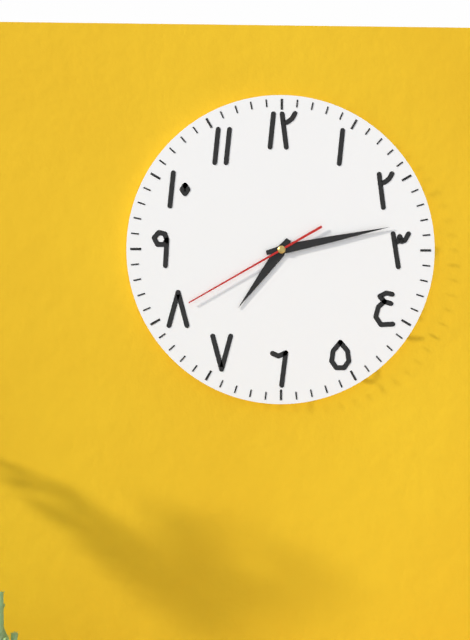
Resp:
7h13m40s
